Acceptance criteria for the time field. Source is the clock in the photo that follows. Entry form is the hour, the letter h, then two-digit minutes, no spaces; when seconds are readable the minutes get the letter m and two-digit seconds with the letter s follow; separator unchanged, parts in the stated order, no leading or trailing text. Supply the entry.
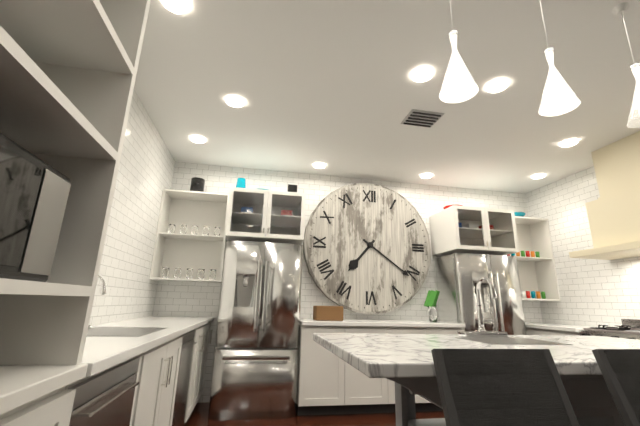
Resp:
7h21
